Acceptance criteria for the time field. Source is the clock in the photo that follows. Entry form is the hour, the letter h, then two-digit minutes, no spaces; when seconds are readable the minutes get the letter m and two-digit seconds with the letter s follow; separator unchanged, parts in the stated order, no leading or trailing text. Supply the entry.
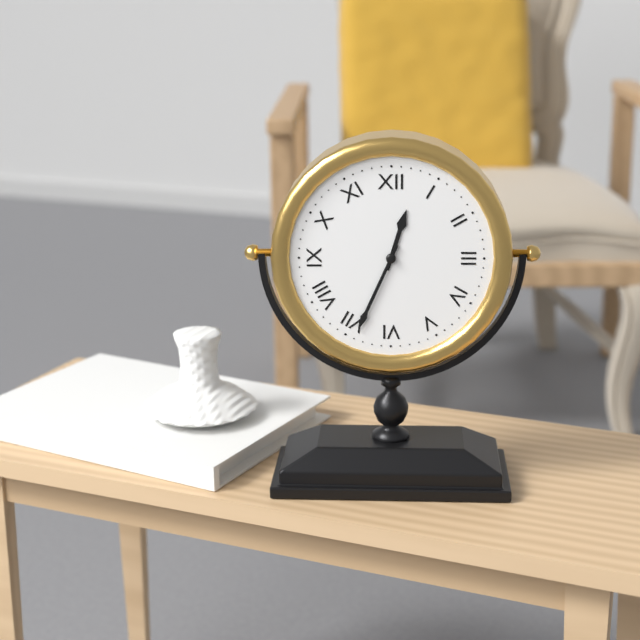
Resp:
12h34
